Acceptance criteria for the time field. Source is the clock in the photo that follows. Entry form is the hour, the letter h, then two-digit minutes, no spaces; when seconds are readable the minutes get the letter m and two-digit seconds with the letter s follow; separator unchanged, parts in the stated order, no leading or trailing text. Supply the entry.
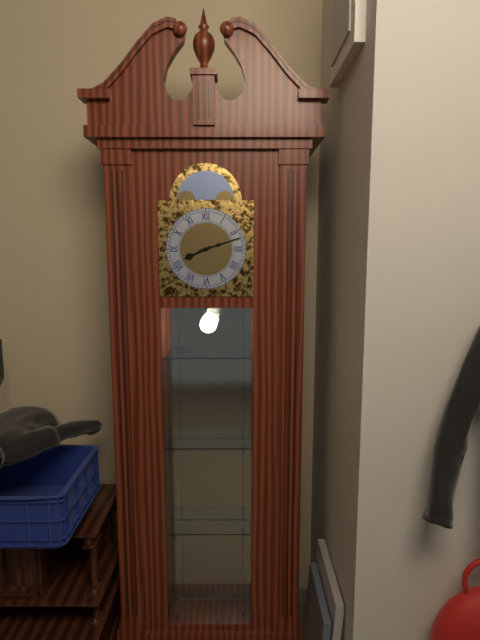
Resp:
8h12
